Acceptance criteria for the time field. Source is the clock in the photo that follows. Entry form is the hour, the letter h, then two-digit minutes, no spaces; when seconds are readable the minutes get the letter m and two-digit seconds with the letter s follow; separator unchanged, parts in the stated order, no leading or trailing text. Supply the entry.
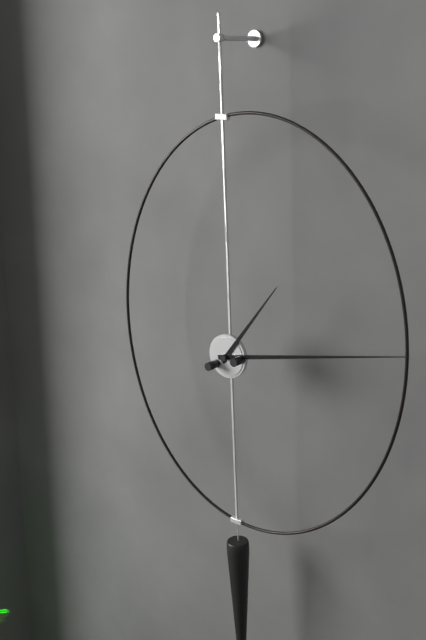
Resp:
1h13
